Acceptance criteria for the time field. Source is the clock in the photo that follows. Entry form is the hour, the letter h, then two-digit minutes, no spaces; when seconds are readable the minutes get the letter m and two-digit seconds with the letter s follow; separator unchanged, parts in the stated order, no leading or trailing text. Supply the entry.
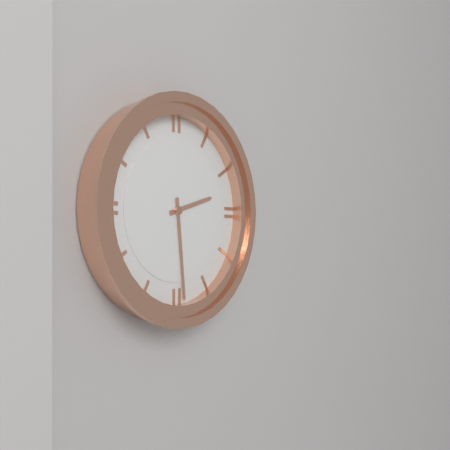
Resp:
2h29
